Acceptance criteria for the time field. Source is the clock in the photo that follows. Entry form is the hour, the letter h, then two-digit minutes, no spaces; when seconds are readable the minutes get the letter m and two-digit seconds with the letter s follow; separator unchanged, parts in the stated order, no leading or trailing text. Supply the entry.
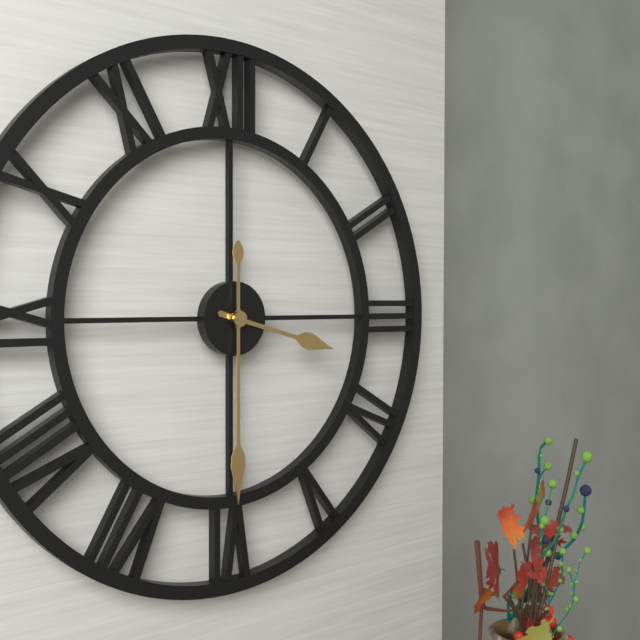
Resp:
3h30
